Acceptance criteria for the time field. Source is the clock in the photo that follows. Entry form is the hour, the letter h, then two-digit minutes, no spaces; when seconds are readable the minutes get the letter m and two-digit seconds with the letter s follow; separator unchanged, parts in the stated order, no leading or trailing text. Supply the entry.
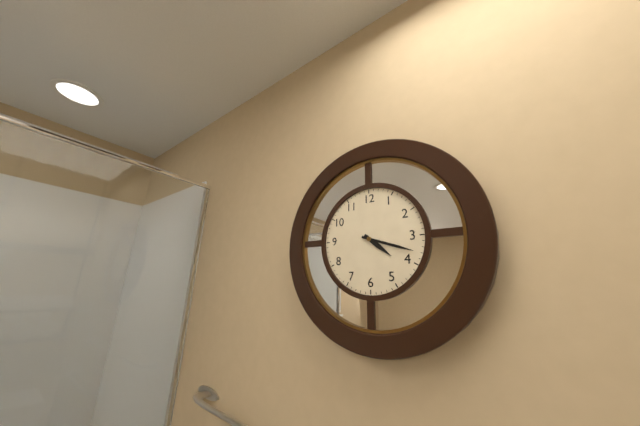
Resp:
4h18
